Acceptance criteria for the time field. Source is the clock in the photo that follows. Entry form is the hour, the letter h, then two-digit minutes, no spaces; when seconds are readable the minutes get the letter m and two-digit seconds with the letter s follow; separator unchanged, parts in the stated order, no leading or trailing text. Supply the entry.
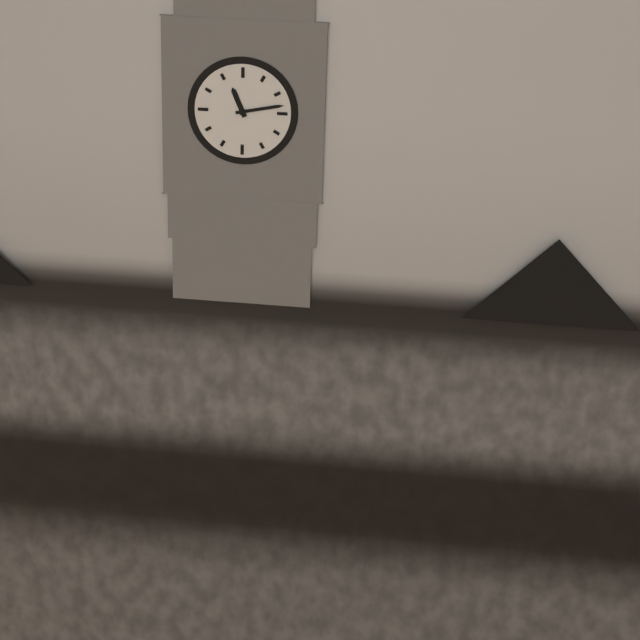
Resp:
11h13
